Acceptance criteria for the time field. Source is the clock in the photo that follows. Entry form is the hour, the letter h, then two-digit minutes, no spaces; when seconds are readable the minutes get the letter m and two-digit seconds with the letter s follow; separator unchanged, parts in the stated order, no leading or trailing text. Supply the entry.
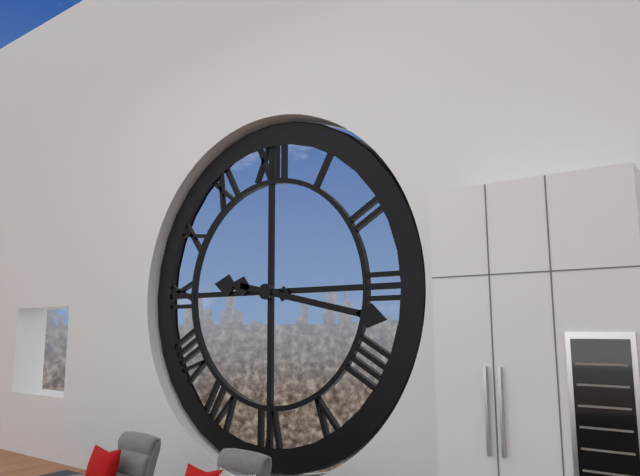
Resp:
9h17
